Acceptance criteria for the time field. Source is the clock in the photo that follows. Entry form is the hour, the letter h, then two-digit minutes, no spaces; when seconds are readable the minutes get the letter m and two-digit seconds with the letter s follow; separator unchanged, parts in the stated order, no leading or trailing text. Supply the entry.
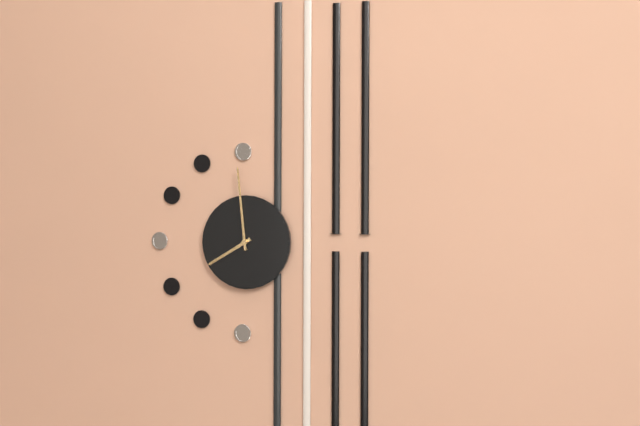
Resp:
7h59
